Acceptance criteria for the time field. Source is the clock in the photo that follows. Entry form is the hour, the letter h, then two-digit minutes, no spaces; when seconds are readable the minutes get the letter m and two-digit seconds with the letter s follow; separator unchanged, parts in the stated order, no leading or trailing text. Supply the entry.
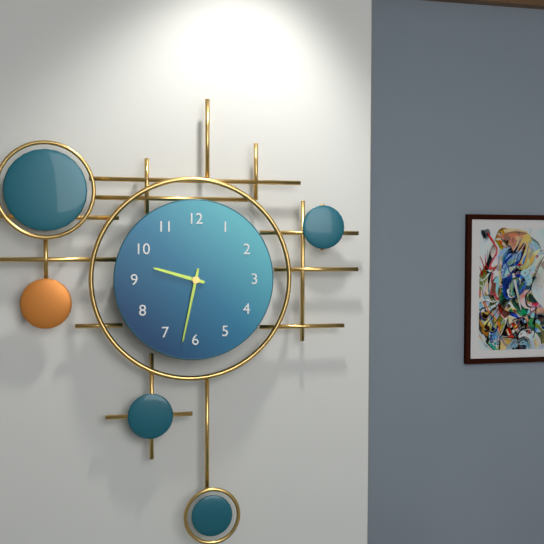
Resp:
9h32
